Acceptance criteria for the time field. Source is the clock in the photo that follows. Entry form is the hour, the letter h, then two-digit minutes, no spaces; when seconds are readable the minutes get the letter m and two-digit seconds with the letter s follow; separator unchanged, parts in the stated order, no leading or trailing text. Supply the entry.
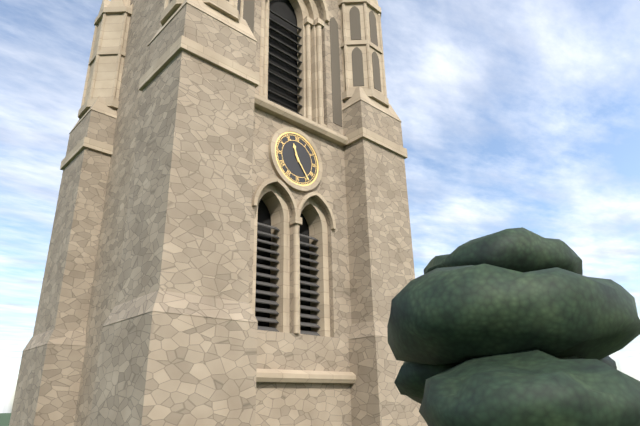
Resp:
11h24
